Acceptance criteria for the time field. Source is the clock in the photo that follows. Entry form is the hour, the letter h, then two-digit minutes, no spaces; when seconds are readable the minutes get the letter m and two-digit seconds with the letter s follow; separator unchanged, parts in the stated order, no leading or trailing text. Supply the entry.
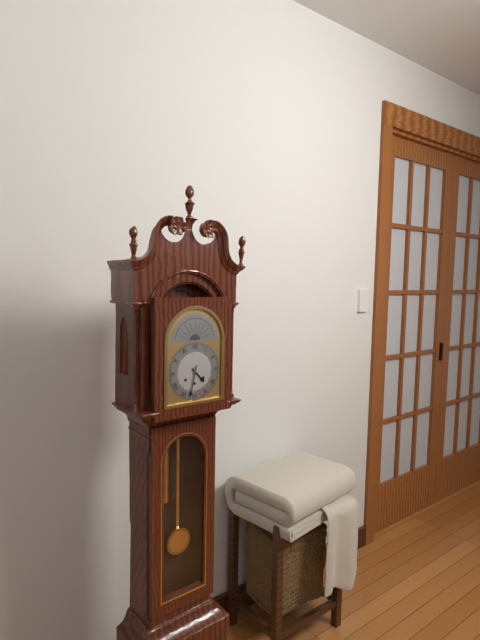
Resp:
4h32
